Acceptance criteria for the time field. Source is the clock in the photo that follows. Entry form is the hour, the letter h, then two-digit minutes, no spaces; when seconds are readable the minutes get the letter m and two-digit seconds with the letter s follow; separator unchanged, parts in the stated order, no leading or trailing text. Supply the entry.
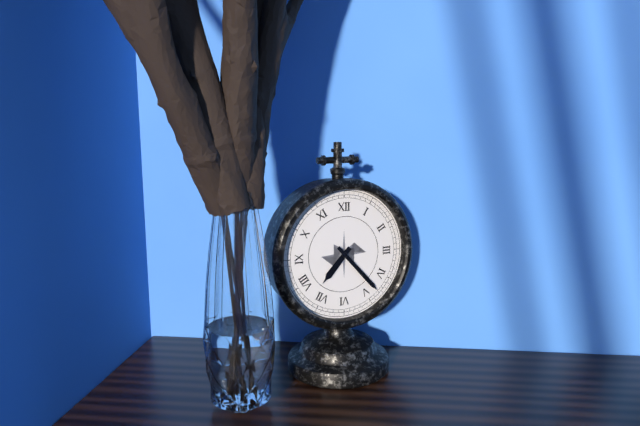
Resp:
7h23
